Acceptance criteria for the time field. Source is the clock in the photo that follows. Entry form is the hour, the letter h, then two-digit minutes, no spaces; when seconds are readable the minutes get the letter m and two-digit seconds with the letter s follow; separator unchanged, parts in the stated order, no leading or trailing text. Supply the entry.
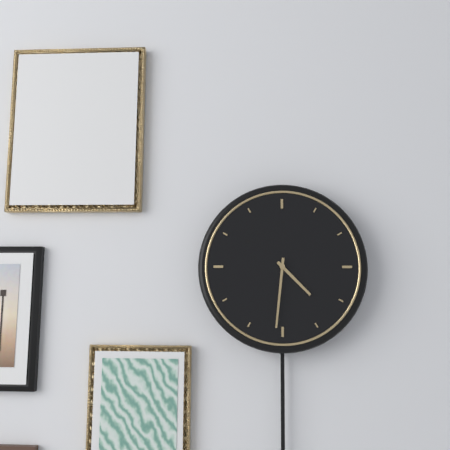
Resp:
4h31
